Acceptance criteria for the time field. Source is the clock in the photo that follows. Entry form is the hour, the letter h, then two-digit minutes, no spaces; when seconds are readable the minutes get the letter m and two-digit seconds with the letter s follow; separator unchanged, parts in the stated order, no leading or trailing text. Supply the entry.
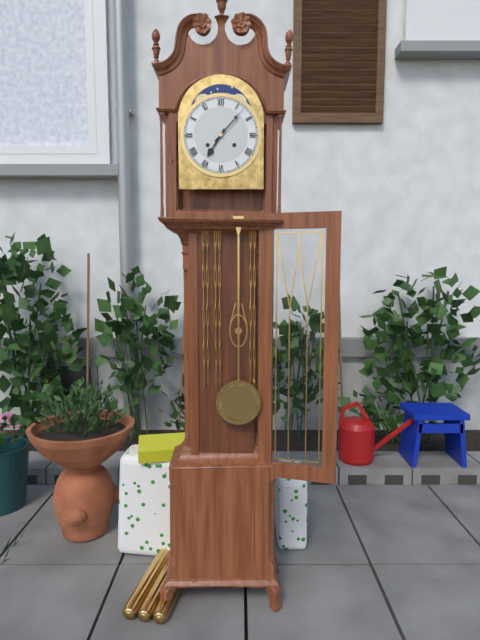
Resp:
7h07
